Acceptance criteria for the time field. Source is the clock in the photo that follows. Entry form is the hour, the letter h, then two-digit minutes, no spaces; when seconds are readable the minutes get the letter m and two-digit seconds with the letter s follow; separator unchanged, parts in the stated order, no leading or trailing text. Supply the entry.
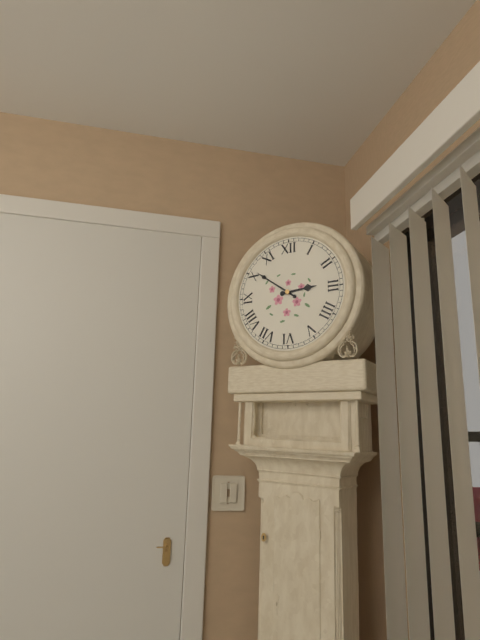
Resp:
2h51
